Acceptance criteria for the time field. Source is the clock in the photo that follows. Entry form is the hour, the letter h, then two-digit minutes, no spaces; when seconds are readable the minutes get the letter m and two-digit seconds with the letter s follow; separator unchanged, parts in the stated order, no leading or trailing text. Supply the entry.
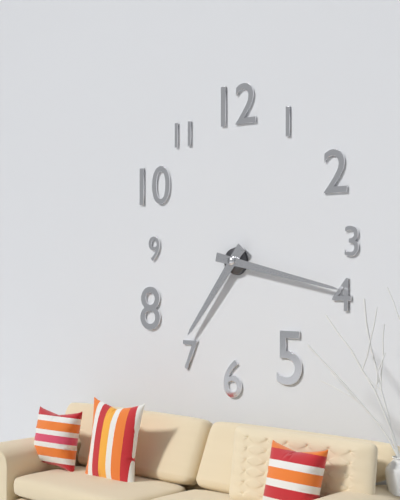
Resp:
7h17
